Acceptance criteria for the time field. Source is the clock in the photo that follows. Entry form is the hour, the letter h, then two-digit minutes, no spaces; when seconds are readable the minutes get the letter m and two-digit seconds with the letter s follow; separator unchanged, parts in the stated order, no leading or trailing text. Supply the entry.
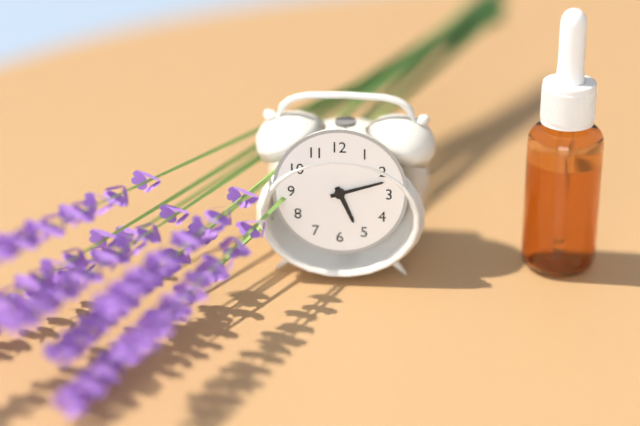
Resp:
5h12
